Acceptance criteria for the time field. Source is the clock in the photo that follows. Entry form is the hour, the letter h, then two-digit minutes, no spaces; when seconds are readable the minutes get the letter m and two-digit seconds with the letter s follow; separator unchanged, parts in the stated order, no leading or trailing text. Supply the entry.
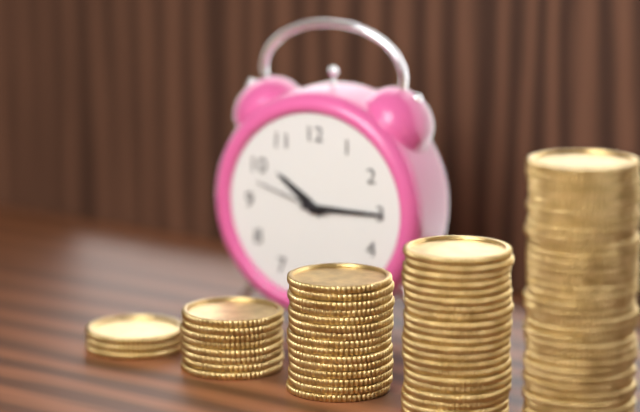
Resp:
10h15m48s
